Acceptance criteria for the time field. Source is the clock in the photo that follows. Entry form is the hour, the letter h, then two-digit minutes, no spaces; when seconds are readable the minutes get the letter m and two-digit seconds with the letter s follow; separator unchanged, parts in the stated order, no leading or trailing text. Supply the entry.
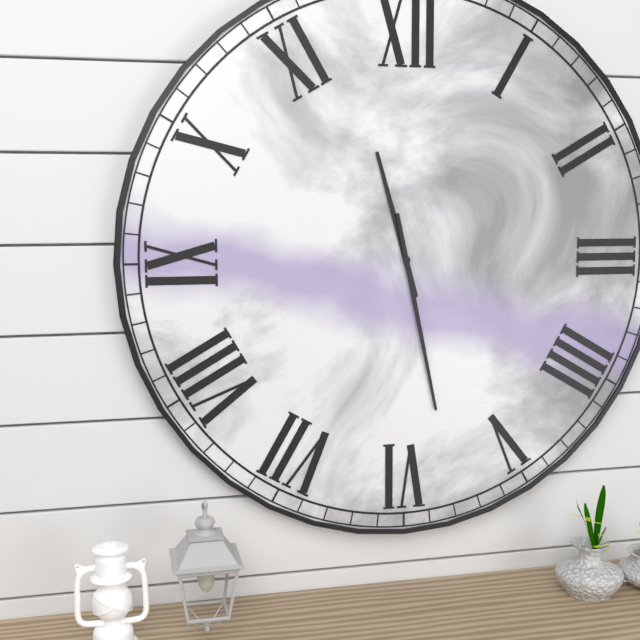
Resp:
11h28
